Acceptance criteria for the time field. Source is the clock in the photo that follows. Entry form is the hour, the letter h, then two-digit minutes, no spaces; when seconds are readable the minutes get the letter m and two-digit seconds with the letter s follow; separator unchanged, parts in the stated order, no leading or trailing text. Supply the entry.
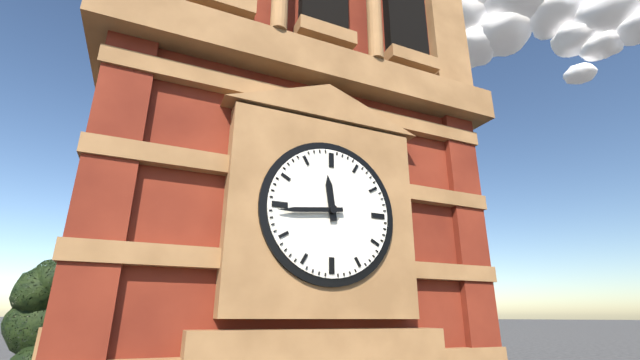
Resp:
11h44
